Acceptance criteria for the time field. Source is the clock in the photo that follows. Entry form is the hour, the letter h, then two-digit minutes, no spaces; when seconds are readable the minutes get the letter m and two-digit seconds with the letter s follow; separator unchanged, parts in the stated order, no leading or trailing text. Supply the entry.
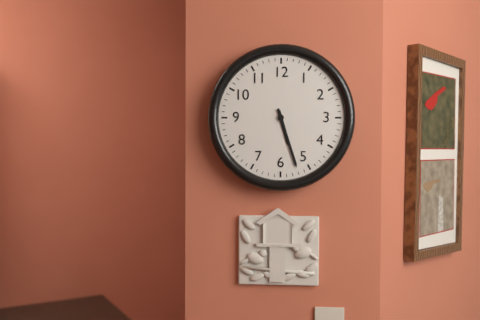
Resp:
5h27
